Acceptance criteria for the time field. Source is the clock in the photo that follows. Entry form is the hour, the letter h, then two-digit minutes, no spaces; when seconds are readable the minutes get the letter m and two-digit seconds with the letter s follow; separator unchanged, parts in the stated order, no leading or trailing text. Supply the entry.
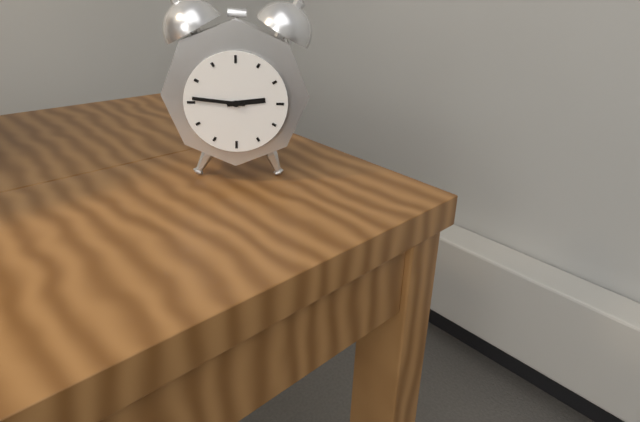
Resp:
2h46
